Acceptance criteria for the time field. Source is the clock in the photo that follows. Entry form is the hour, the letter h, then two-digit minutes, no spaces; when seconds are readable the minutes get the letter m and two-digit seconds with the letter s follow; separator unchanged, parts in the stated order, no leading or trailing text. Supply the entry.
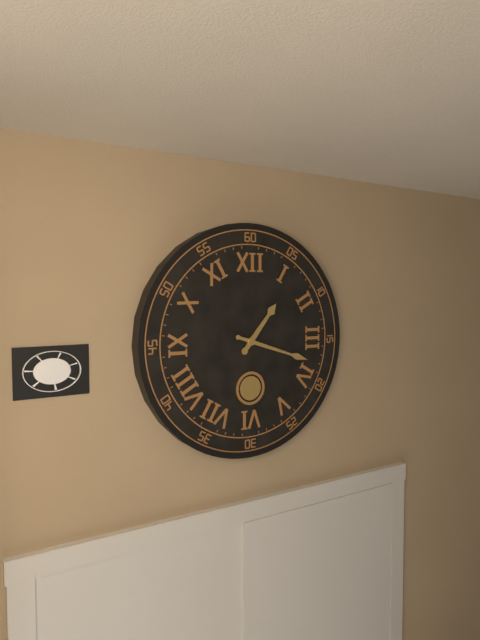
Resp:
1h18
